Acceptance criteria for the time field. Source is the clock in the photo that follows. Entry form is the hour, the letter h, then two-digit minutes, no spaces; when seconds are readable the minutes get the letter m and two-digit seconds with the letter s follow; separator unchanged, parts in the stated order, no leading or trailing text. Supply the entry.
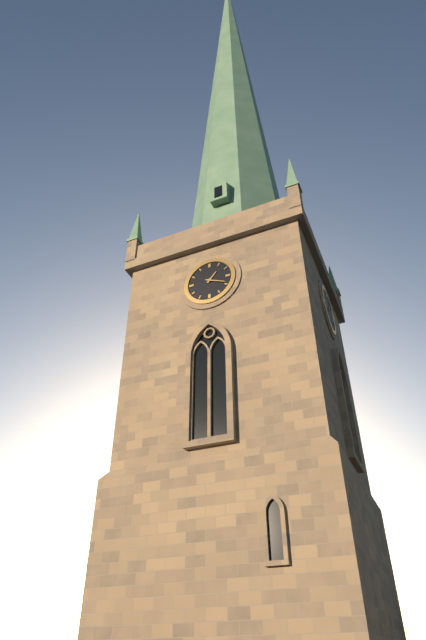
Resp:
1h19
